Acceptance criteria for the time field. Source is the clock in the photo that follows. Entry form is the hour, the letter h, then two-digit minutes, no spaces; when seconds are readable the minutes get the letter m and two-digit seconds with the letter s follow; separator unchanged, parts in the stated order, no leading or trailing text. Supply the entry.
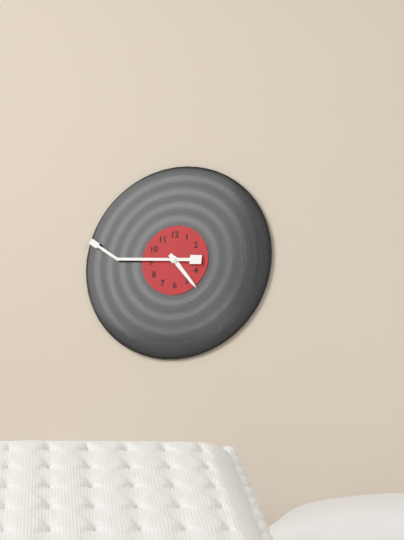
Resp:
4h46
